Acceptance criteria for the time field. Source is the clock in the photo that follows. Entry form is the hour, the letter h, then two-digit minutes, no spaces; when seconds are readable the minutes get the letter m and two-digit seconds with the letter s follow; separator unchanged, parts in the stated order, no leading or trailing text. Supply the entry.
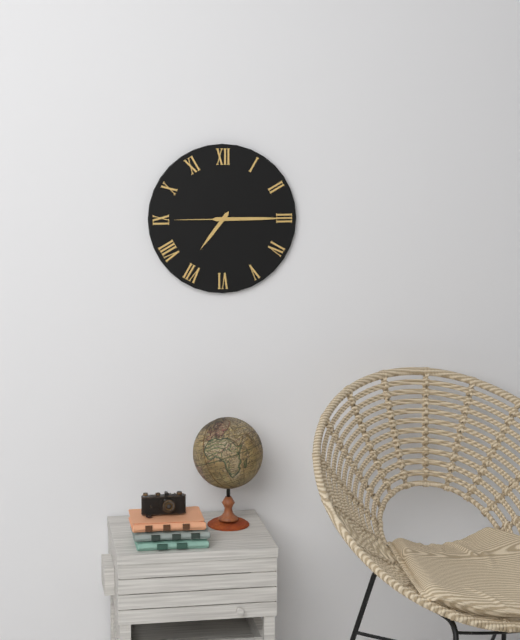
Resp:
7h15m45s
